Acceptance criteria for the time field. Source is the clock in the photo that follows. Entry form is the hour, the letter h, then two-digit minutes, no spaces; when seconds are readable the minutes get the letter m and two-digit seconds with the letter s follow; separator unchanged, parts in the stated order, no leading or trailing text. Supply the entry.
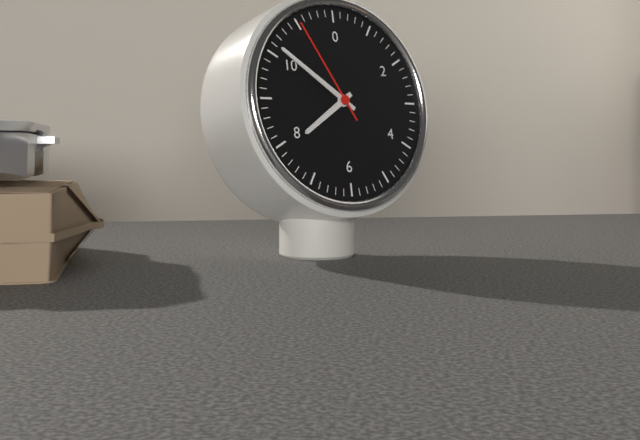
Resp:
7h51m55s
